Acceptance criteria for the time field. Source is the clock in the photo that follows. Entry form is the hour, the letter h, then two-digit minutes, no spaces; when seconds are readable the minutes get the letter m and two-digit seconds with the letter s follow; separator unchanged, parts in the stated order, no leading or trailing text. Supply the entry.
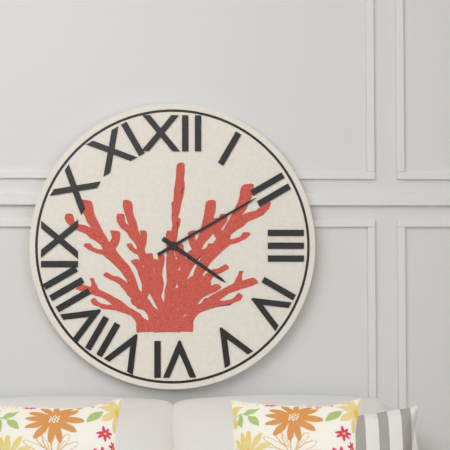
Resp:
4h10
